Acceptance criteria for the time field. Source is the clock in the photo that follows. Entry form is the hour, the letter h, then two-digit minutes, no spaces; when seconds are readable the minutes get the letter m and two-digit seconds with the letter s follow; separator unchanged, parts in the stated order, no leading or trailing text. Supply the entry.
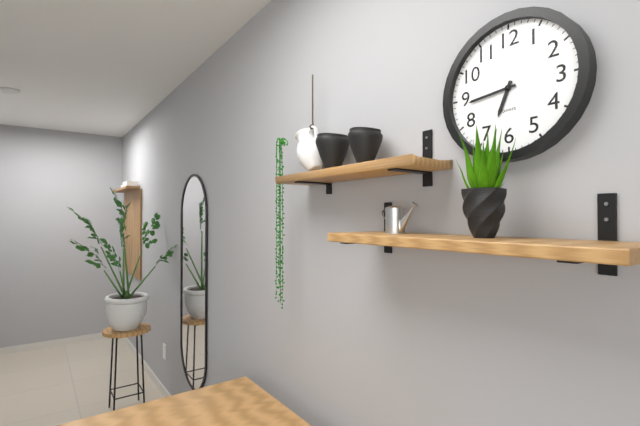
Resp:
6h44
